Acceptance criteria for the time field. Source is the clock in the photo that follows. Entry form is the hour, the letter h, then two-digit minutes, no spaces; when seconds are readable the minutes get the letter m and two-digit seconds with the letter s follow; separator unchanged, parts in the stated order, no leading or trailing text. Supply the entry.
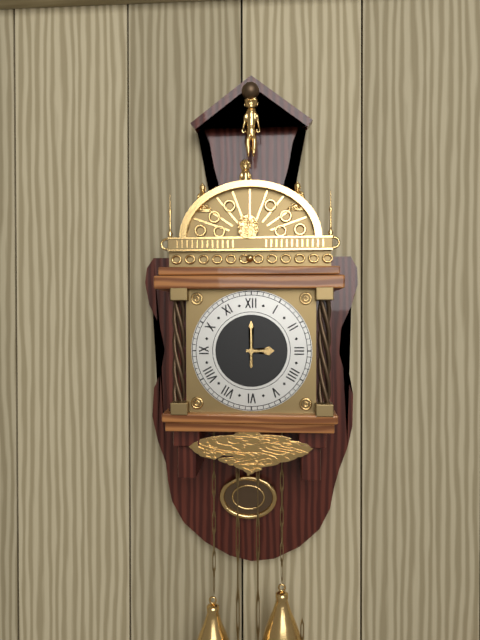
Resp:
3h00
